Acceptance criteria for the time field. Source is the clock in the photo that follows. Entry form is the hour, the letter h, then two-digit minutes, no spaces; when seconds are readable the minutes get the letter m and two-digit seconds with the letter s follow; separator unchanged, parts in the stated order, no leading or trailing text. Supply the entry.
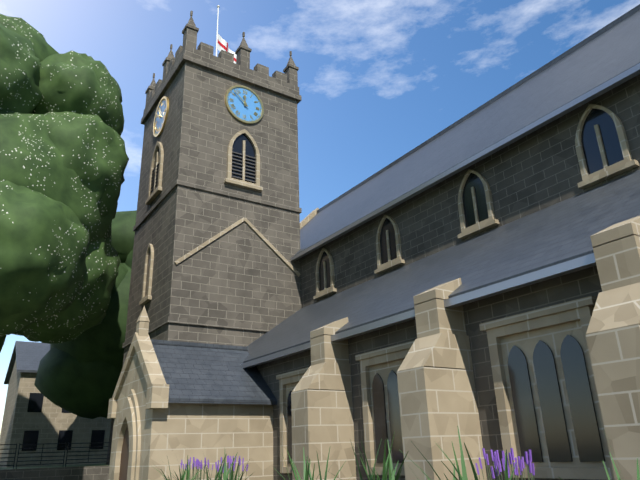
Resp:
11h52
